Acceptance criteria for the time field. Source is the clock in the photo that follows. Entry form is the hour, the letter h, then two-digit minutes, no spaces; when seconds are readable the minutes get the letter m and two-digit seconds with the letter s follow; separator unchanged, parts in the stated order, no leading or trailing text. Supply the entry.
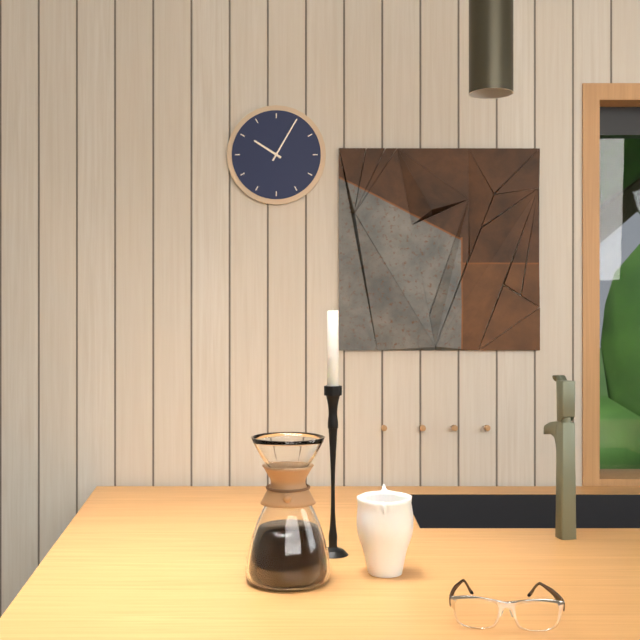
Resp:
10h05
